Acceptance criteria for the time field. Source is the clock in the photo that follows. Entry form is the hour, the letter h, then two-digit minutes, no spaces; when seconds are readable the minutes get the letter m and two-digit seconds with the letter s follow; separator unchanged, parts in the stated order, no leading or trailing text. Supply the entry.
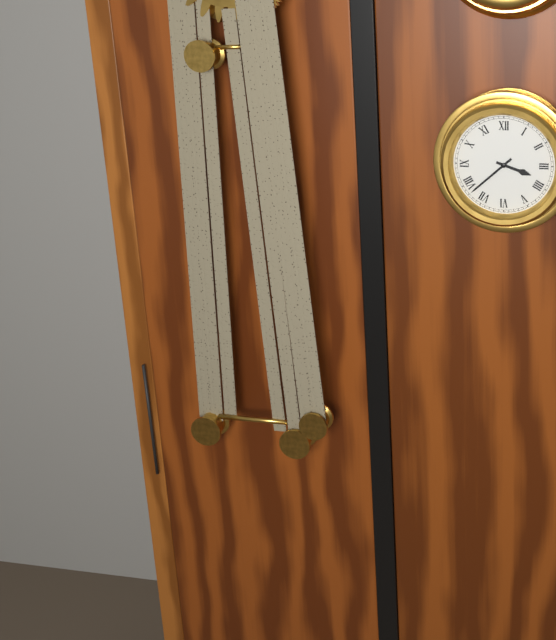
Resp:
3h38
